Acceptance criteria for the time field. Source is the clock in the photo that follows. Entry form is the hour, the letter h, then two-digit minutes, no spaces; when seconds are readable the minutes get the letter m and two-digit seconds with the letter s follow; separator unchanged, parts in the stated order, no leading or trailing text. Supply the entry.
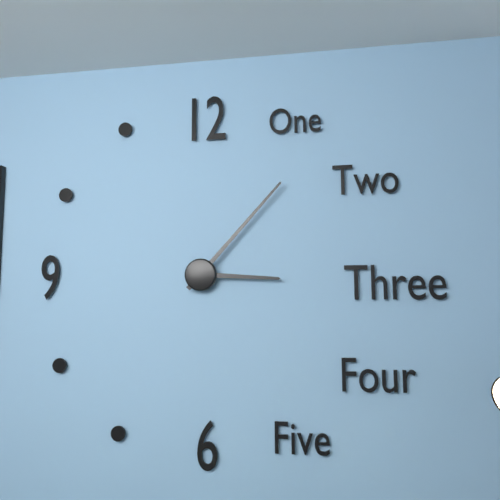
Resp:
3h07
